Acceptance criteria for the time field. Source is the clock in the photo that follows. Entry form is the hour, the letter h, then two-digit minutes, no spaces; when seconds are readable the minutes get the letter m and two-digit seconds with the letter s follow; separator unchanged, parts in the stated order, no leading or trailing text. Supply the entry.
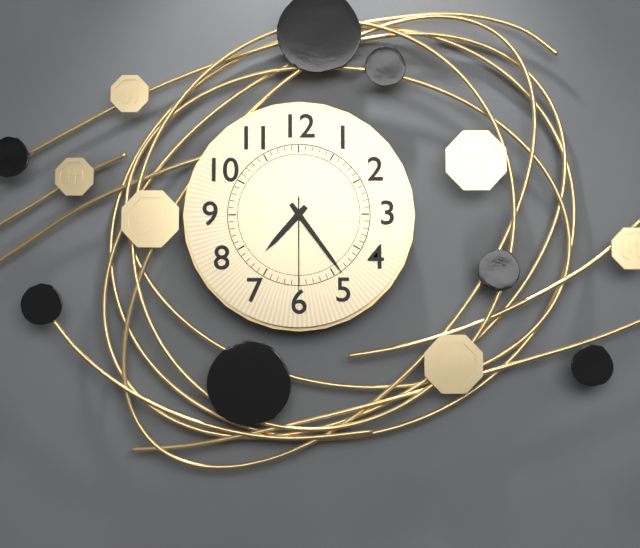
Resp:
7h24m30s
